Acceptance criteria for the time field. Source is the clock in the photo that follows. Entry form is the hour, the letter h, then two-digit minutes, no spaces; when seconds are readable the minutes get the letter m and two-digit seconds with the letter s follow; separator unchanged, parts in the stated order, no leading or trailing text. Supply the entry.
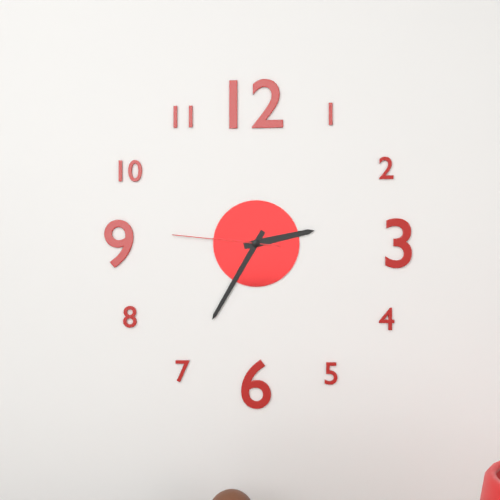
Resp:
2h35m46s
